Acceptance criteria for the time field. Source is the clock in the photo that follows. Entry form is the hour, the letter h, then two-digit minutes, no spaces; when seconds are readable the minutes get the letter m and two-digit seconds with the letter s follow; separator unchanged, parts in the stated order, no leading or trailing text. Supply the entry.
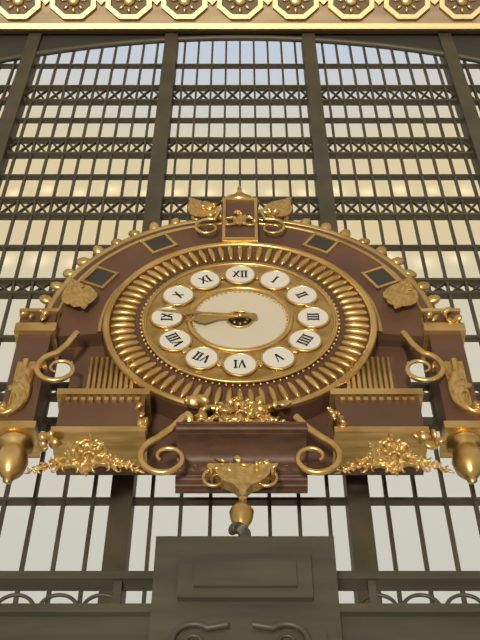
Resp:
8h46
